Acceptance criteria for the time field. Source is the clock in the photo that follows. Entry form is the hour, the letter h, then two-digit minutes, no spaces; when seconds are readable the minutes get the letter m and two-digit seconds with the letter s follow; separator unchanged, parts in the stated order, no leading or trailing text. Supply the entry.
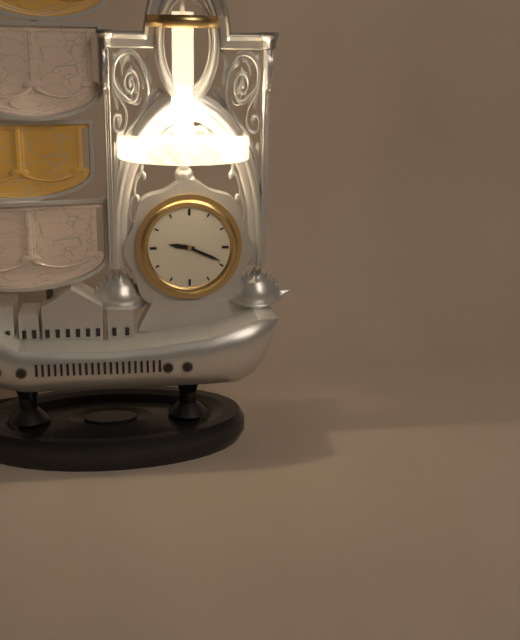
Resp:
9h19
